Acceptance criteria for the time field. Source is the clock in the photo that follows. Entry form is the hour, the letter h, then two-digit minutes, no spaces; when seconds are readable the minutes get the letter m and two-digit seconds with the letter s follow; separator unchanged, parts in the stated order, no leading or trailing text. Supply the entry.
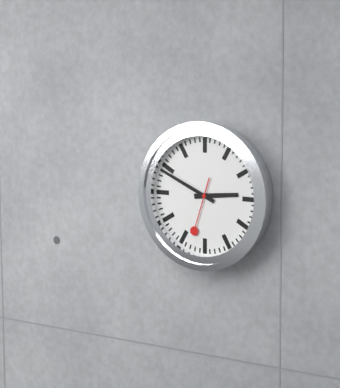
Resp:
2h49m33s
